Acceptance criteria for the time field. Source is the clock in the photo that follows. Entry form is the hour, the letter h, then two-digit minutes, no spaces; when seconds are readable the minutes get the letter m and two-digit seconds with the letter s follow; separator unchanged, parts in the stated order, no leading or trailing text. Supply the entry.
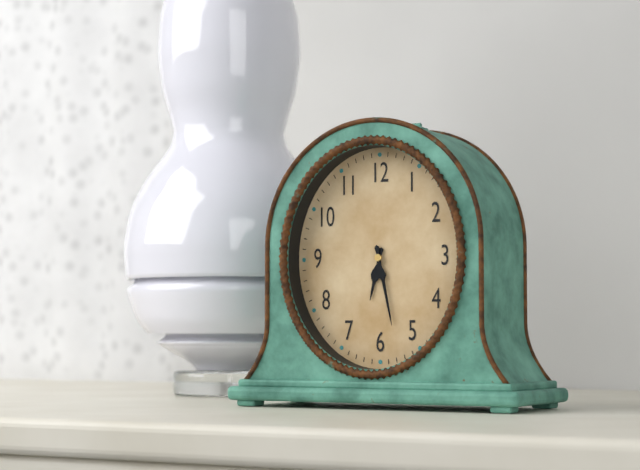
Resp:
6h28
